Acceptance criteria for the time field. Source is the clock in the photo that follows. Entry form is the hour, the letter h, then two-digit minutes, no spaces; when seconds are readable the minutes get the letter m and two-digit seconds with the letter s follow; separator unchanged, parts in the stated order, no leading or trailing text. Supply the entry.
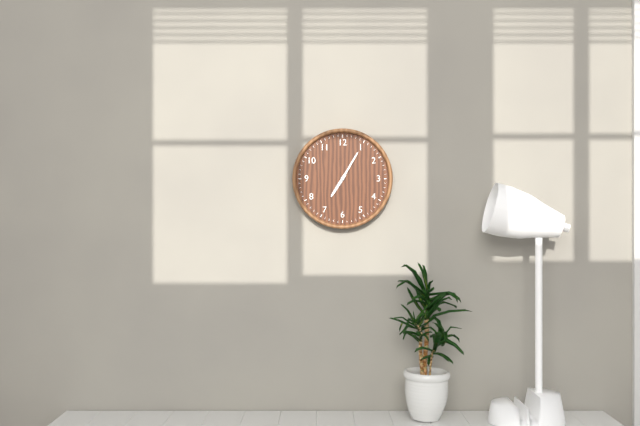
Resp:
7h05
